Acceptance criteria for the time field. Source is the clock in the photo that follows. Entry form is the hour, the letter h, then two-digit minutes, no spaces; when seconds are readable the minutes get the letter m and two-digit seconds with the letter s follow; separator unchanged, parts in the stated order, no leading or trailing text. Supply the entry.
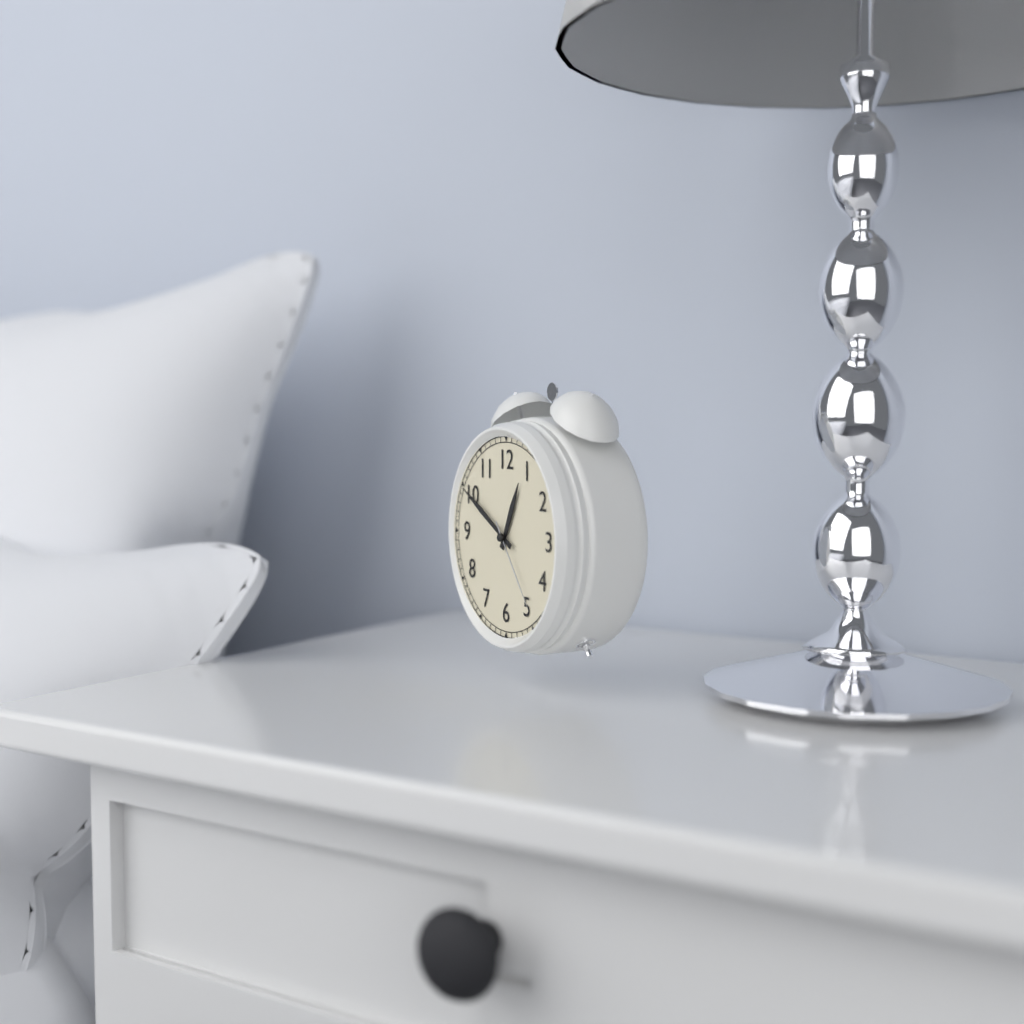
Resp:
12h50m24s
